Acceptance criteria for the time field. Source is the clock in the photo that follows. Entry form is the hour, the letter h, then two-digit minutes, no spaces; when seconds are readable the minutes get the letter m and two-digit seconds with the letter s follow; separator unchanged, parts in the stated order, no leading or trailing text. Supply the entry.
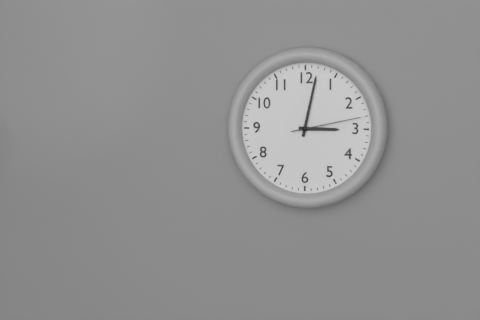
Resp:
3h02m13s
